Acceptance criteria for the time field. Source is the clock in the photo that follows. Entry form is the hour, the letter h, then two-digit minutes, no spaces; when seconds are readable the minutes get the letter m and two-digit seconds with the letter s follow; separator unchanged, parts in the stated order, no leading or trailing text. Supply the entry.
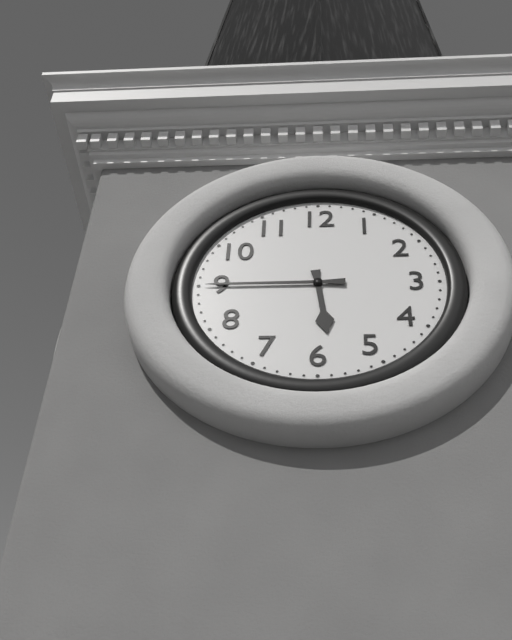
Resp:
5h45
